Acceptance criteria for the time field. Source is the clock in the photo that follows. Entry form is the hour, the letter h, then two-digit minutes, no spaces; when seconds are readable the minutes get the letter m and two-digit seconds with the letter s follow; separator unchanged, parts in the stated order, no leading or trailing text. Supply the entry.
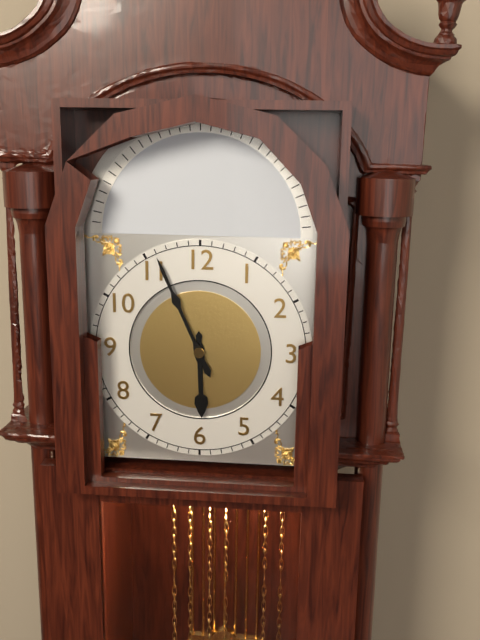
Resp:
5h56
